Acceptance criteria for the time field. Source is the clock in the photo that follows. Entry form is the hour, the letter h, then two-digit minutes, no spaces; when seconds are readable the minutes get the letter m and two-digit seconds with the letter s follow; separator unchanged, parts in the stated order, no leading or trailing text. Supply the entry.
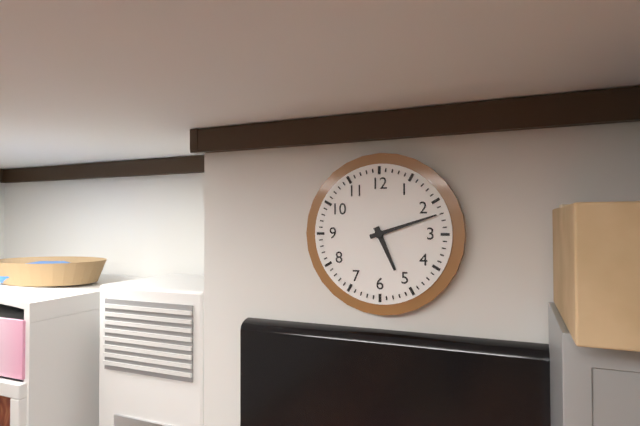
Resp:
5h12
